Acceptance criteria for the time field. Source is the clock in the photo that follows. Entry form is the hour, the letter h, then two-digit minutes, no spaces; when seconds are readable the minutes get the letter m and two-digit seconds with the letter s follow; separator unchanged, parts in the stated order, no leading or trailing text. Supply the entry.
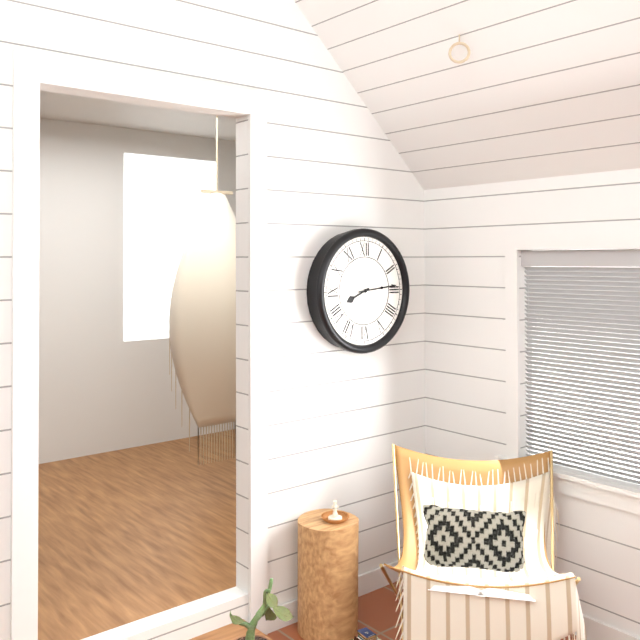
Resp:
8h14
